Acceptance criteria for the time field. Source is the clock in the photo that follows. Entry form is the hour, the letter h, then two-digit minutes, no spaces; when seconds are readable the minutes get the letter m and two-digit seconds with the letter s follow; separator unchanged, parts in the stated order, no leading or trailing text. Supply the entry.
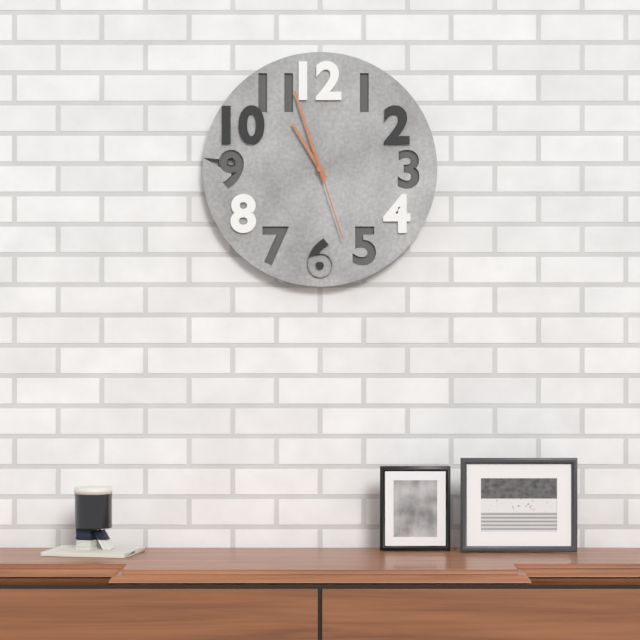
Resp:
10h57m27s
